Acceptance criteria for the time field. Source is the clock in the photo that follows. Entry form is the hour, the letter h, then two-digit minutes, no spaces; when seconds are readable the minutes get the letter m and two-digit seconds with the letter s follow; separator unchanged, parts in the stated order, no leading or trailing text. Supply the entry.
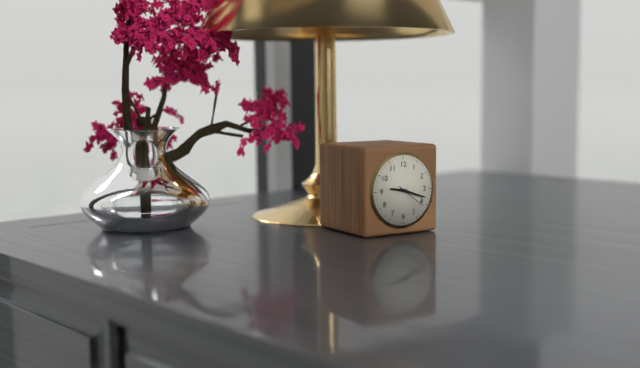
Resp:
9h18
